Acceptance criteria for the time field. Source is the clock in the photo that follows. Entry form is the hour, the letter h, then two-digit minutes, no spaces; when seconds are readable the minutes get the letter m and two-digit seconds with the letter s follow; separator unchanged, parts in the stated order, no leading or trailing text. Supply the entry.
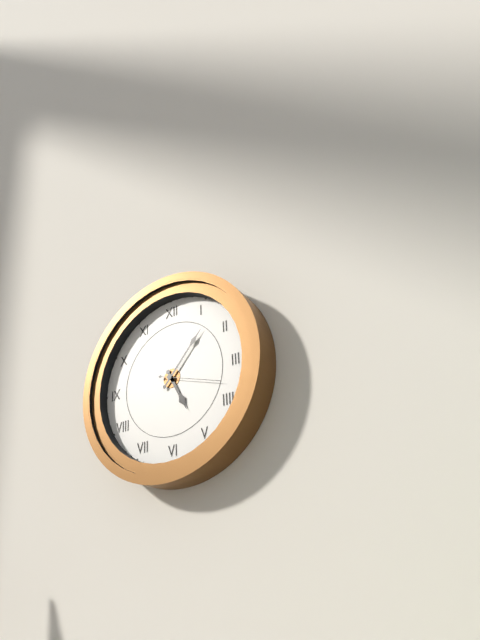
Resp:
5h07m18s
